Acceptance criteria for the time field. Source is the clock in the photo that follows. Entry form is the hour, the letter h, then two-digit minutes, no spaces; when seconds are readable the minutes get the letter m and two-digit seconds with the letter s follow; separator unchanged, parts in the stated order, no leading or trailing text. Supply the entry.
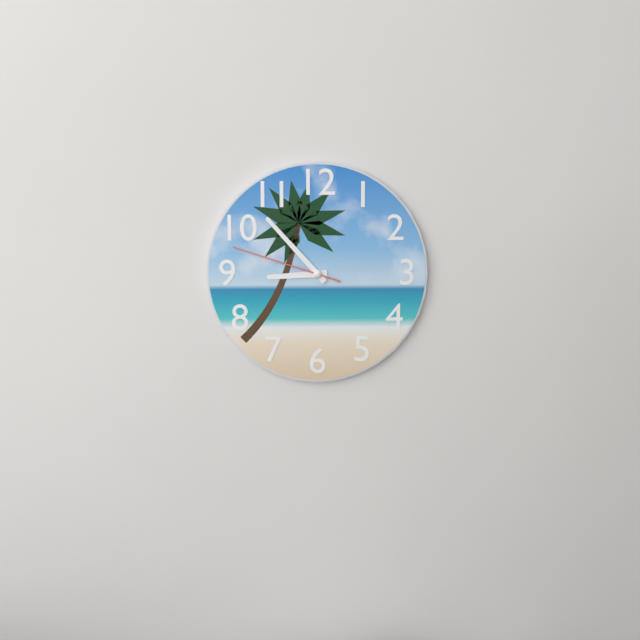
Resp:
8h53m48s
